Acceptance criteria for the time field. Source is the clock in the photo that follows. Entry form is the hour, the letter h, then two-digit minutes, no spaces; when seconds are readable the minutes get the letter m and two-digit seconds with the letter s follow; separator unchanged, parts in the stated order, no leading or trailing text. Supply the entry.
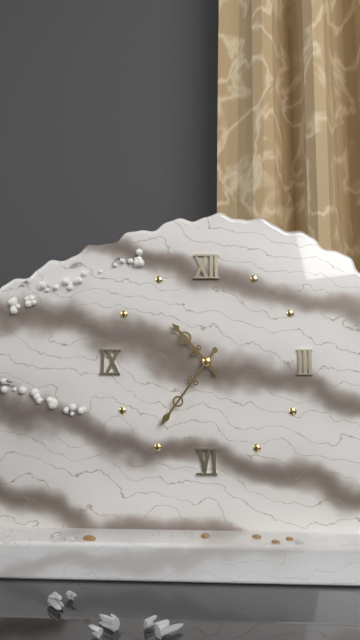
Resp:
10h36
